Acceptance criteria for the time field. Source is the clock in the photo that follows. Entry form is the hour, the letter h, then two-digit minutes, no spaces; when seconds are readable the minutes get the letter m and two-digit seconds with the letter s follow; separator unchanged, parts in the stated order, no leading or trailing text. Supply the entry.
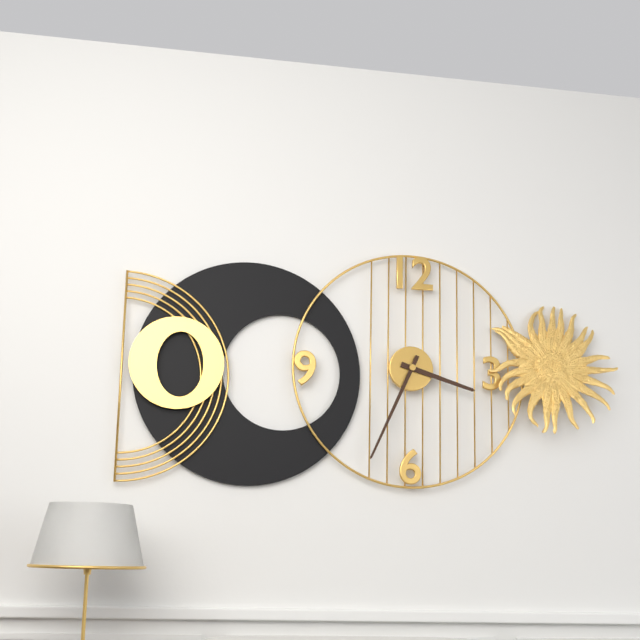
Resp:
3h34
